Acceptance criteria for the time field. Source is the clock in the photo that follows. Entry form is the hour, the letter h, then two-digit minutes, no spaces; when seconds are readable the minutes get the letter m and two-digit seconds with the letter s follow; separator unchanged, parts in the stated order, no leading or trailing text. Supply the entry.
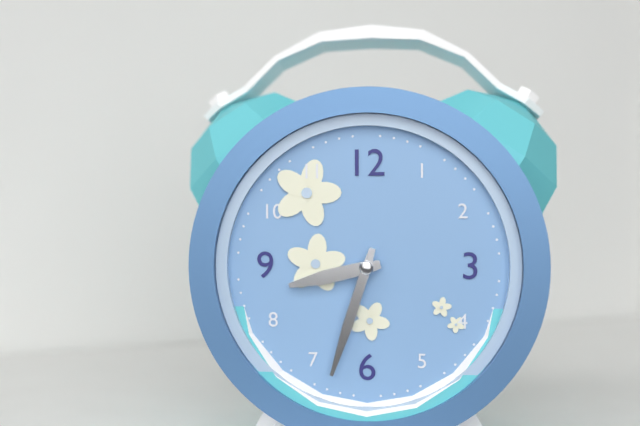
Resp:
8h33
